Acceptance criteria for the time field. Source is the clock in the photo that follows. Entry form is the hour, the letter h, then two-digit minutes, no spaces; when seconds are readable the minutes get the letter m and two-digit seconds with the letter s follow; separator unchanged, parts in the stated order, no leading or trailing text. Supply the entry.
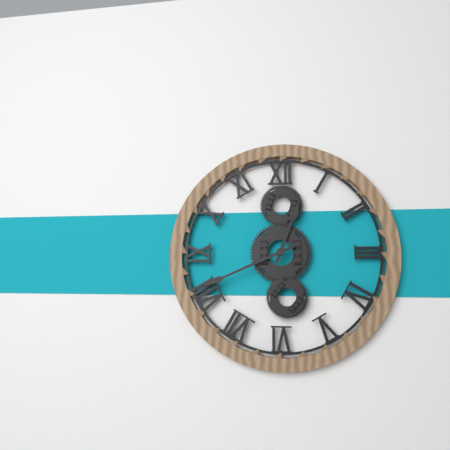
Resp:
12h41
